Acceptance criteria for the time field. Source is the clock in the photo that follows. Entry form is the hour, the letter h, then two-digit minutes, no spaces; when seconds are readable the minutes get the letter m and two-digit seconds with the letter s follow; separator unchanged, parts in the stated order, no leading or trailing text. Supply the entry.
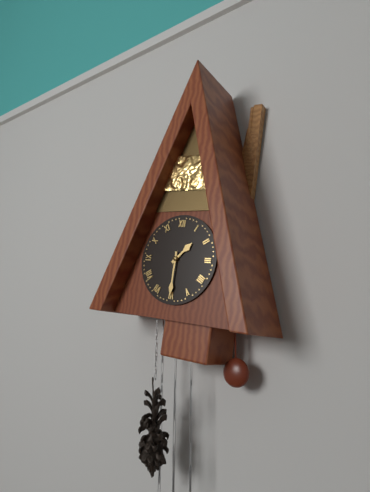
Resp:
1h30
